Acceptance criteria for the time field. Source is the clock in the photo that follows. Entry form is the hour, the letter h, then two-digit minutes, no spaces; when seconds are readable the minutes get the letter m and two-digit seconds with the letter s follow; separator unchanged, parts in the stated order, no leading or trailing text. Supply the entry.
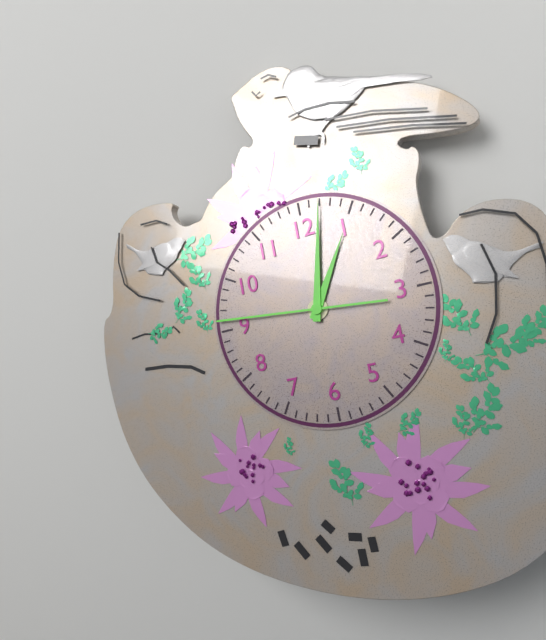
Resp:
1h02m46s
